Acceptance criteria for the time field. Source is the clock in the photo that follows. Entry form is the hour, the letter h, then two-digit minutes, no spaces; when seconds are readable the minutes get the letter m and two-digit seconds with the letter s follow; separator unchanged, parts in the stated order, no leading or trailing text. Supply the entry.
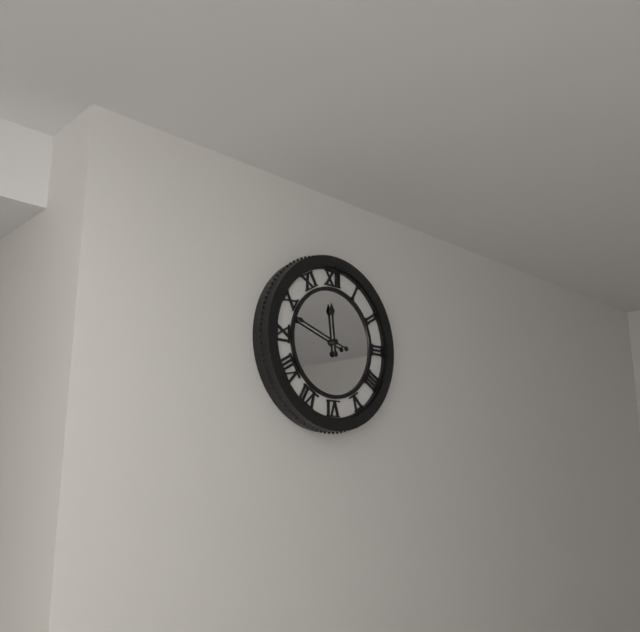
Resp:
11h48
